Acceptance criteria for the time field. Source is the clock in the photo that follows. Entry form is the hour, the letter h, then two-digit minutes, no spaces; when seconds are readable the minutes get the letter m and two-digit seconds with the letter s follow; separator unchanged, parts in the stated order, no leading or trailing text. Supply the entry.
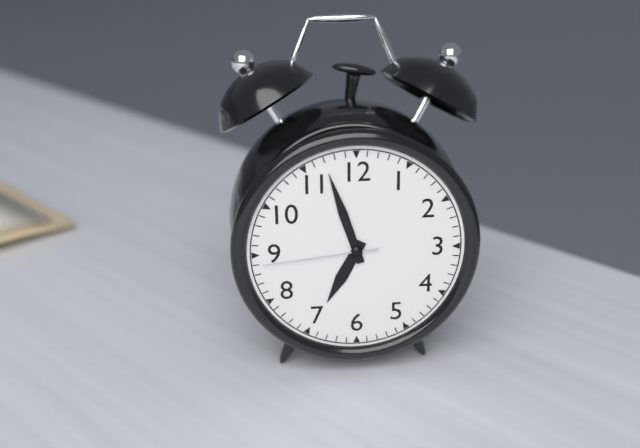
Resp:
6h57m44s
